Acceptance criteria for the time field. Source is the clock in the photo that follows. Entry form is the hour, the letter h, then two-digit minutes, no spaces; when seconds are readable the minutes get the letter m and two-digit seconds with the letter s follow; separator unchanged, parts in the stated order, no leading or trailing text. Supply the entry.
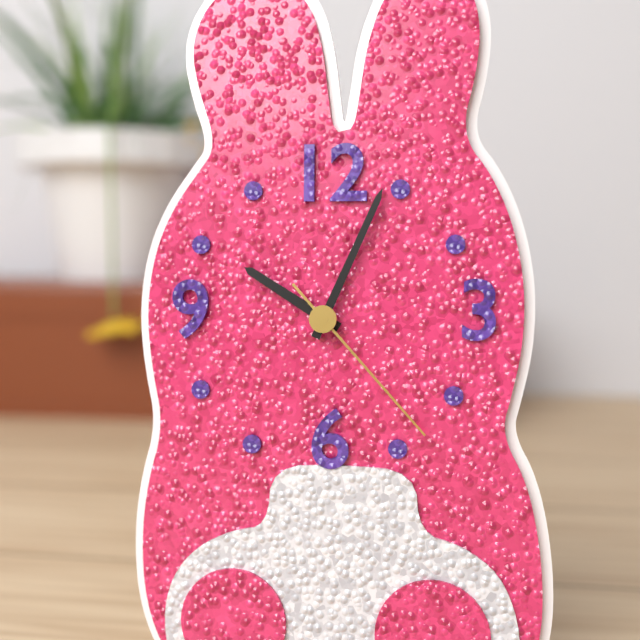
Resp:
10h04m23s
